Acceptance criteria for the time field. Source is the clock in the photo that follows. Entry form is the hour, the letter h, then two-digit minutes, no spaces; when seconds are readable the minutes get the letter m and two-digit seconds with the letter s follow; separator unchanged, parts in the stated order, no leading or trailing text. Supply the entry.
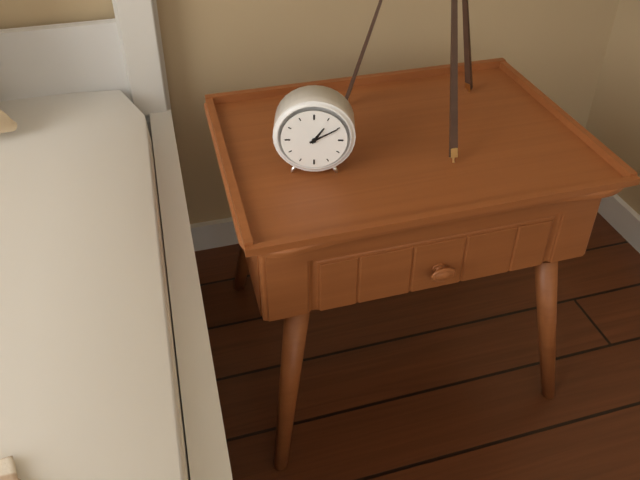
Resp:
1h10
